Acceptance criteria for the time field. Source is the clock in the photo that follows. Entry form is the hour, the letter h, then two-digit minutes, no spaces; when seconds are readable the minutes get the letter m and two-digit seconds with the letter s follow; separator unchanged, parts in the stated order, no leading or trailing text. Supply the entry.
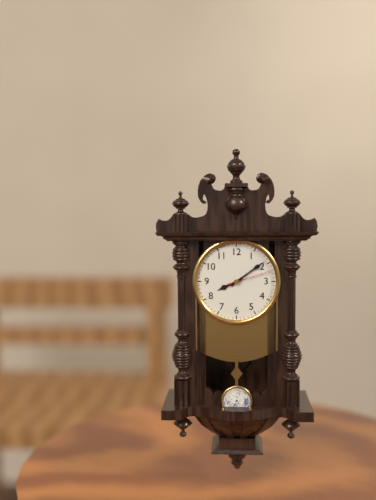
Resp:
8h09
